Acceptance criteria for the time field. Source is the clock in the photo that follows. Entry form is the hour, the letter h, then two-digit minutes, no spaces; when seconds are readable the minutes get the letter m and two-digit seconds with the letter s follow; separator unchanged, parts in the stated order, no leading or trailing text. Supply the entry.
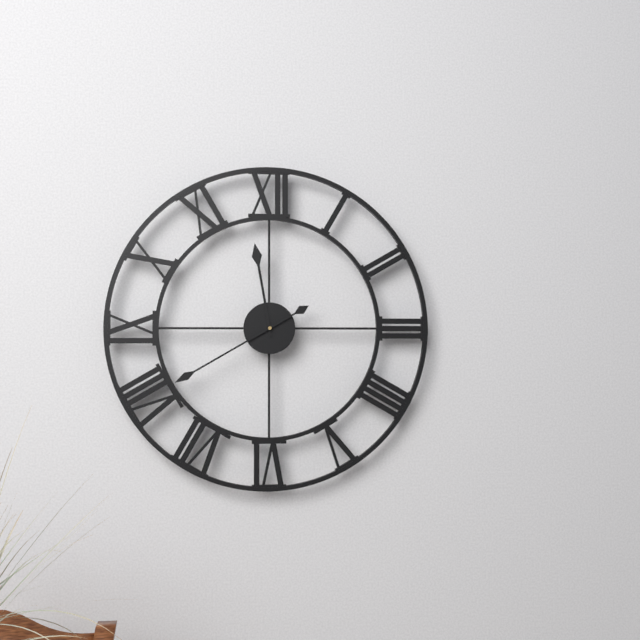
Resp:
11h40
